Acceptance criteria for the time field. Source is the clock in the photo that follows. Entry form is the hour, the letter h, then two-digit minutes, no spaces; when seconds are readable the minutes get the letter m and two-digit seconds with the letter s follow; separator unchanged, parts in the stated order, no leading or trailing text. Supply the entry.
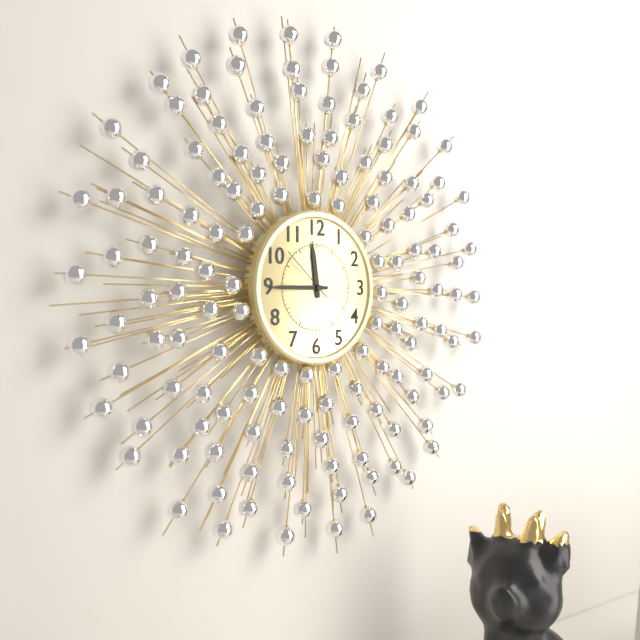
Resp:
11h45m52s
